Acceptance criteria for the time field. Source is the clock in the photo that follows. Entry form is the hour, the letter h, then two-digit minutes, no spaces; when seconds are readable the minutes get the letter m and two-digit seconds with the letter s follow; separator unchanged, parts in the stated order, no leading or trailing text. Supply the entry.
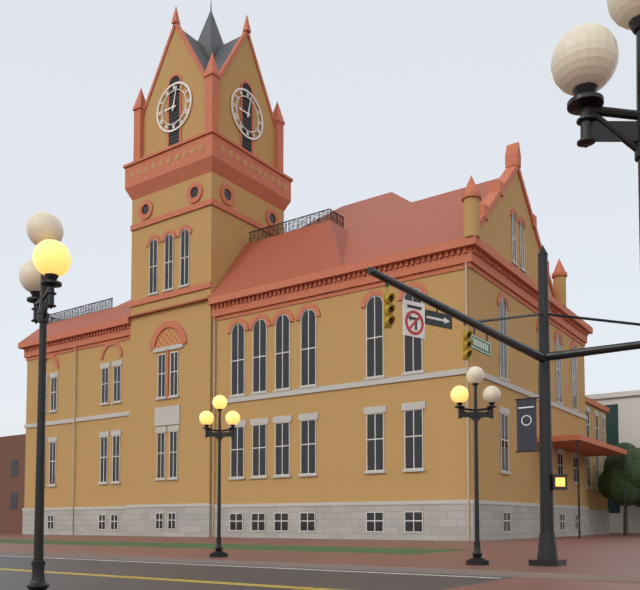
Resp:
9h02
